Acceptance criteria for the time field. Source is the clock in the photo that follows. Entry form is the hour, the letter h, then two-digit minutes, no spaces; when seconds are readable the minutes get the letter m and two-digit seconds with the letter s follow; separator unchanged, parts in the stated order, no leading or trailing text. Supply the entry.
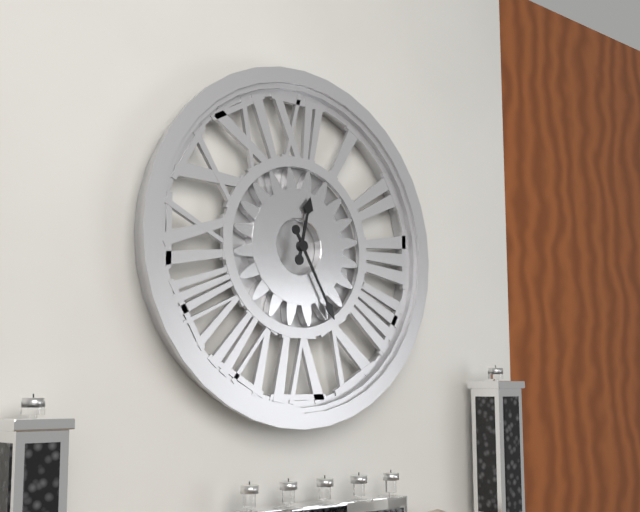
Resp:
12h25
